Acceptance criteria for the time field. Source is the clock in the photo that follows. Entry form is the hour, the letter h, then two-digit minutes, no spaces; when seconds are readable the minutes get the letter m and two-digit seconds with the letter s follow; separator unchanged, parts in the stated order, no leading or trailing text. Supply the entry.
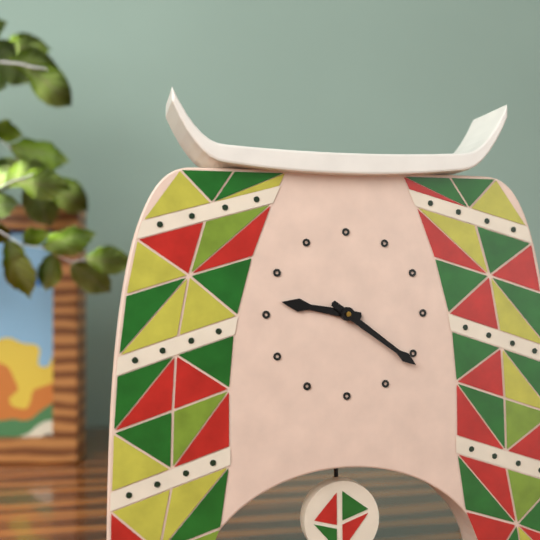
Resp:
9h21
